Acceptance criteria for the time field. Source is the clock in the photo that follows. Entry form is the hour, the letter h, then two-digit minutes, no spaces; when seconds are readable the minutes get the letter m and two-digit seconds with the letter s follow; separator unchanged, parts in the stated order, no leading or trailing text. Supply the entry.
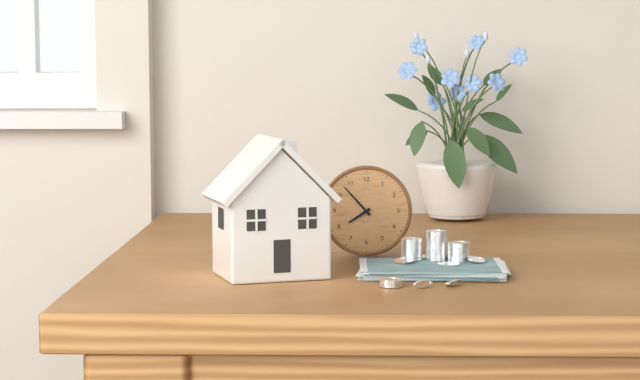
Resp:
7h53
